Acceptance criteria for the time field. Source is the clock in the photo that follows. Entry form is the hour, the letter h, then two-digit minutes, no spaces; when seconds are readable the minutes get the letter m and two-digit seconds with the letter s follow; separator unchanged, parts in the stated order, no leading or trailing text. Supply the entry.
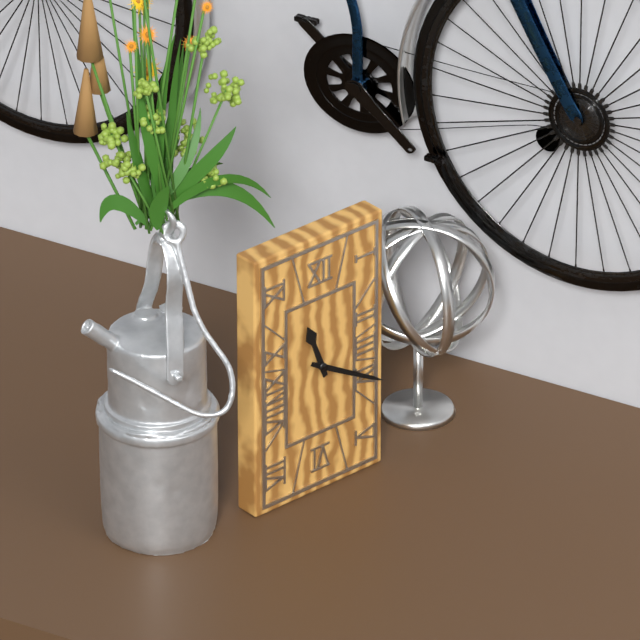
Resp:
11h20
